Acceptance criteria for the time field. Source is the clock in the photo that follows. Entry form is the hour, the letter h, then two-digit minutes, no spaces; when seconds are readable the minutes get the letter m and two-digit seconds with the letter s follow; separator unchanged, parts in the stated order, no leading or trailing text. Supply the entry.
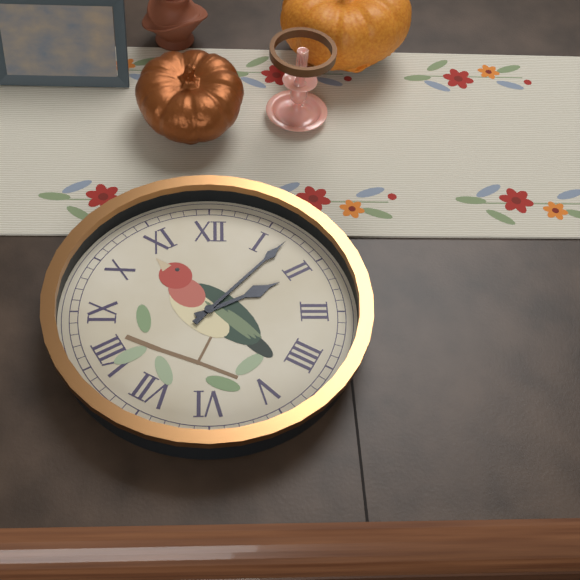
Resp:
2h07
